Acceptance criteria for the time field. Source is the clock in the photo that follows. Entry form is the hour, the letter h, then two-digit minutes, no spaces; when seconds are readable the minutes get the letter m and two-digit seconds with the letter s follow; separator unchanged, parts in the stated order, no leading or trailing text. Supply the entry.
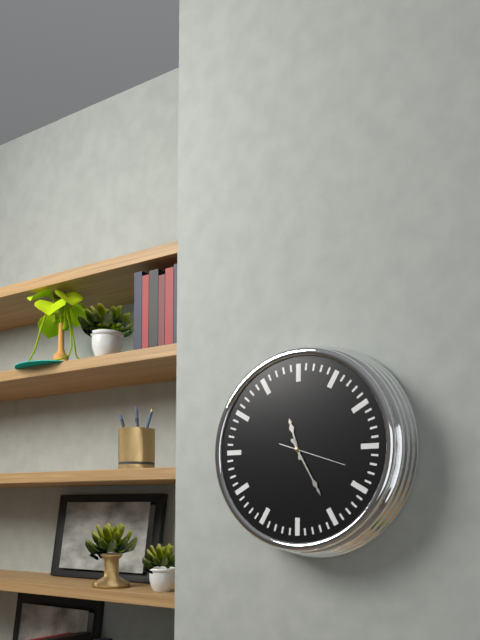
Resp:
11h25m18s
